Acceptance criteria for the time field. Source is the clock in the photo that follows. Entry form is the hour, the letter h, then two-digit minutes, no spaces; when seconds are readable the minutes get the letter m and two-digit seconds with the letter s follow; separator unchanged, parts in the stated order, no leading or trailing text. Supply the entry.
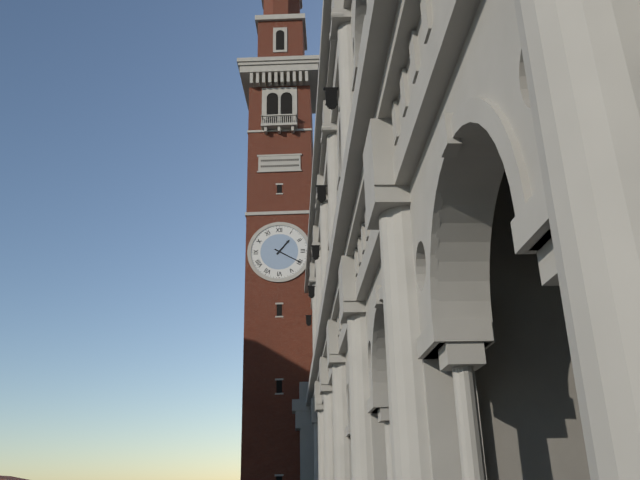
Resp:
1h20
